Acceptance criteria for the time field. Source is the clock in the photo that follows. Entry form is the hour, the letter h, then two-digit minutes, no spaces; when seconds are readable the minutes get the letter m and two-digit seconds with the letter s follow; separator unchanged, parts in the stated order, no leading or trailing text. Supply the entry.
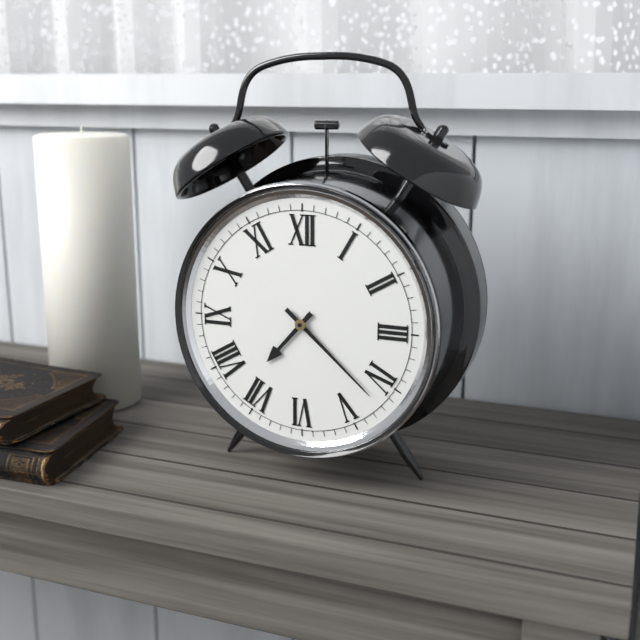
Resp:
7h22
